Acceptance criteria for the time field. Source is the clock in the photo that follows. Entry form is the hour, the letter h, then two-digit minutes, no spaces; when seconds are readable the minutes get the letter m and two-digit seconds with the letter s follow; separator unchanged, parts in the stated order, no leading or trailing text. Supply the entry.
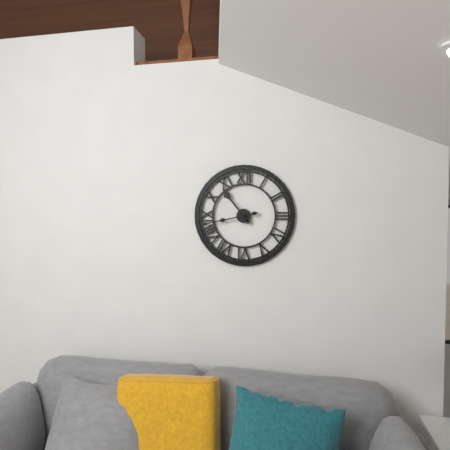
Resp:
10h43
